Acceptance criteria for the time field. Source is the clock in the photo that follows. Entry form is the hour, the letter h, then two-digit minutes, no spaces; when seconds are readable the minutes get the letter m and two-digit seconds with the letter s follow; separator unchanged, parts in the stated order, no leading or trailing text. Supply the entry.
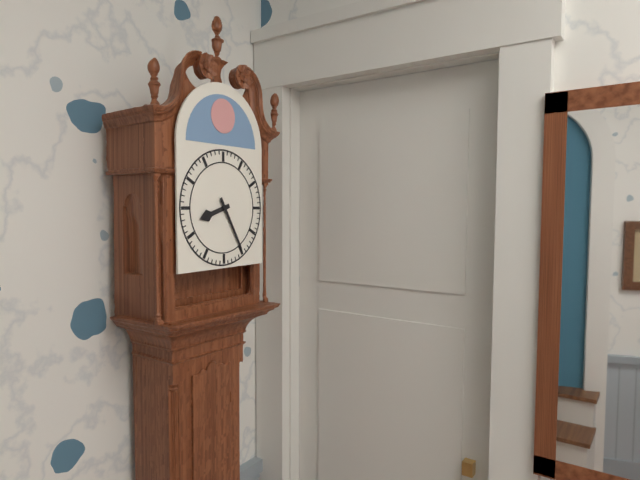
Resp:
8h25
